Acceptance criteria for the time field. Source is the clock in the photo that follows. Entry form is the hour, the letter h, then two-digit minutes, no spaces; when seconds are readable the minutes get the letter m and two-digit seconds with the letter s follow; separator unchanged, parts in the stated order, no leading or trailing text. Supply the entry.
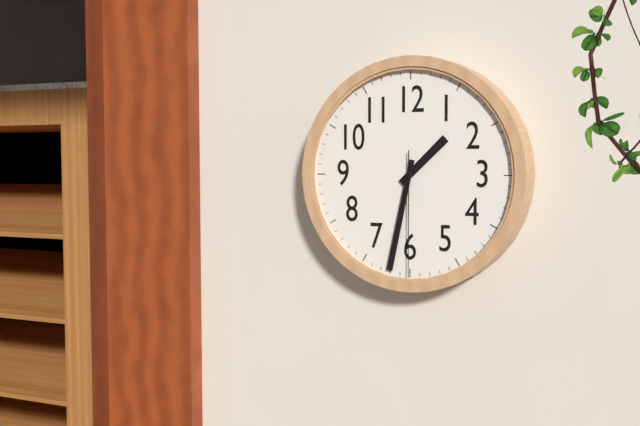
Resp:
1h32m30s
